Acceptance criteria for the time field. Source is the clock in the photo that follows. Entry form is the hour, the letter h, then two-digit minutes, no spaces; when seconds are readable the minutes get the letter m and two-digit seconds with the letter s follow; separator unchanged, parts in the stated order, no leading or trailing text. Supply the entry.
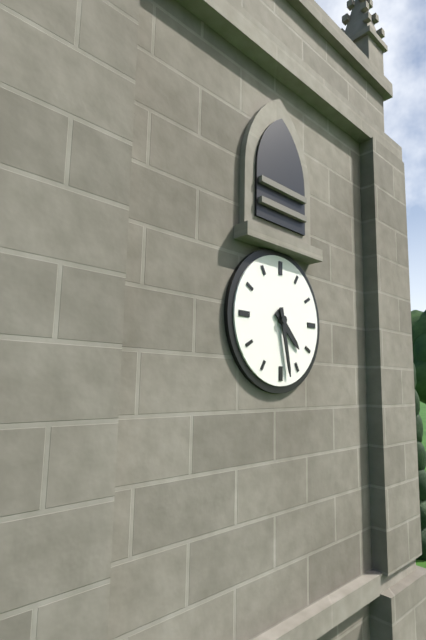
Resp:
4h28
